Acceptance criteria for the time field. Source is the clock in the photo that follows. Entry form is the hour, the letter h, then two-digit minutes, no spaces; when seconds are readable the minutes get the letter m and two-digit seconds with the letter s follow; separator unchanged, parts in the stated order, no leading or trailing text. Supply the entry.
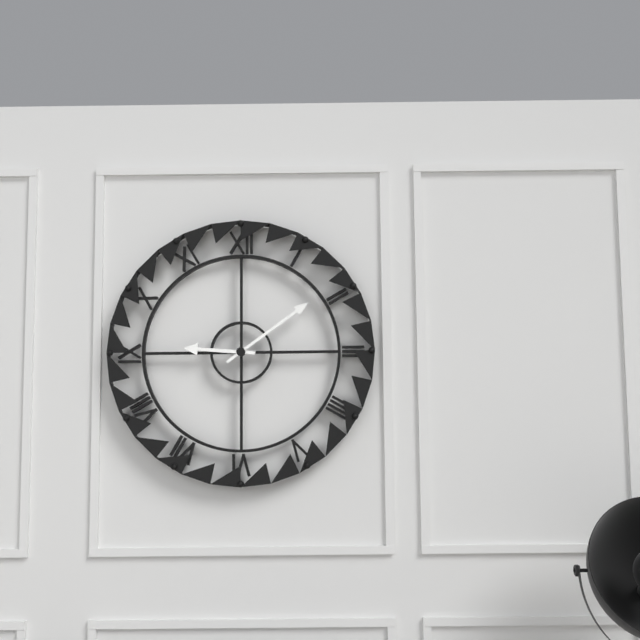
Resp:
9h09
